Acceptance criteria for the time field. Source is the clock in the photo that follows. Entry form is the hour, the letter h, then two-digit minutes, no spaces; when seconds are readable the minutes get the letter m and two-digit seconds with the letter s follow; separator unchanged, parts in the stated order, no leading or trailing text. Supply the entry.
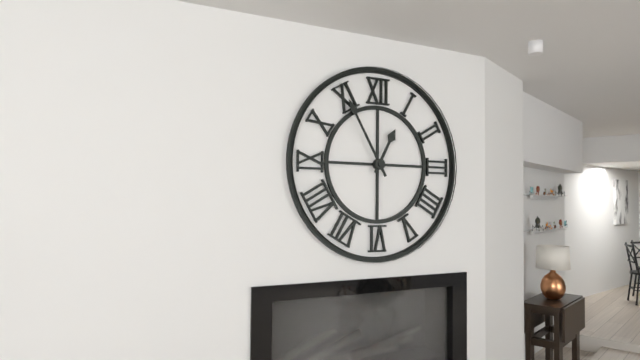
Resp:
12h55
